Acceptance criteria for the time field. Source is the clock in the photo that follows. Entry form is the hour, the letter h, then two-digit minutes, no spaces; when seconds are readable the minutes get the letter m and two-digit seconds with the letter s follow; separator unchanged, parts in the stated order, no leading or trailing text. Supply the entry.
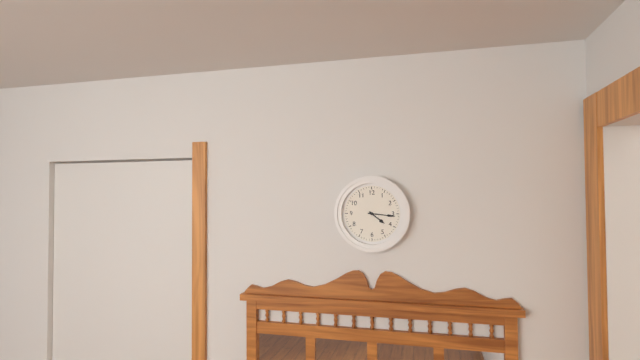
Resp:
4h16
